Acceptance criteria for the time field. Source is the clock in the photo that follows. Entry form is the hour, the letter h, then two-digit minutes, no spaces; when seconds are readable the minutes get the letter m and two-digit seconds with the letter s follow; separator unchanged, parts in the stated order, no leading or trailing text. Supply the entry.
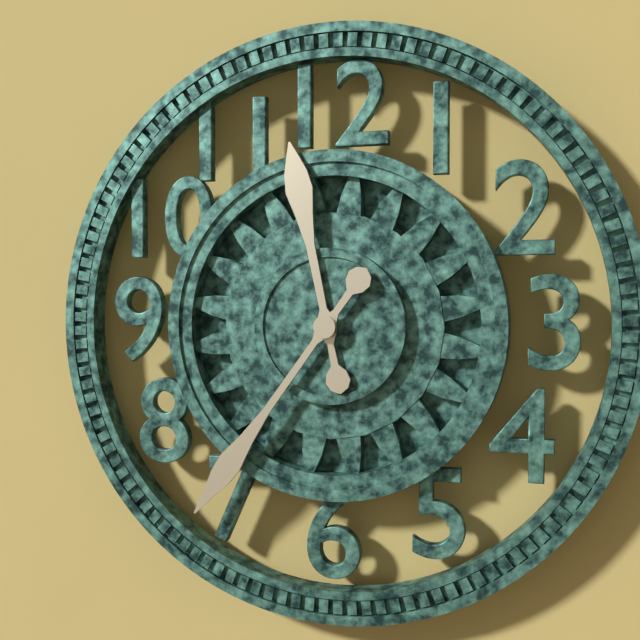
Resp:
11h36
